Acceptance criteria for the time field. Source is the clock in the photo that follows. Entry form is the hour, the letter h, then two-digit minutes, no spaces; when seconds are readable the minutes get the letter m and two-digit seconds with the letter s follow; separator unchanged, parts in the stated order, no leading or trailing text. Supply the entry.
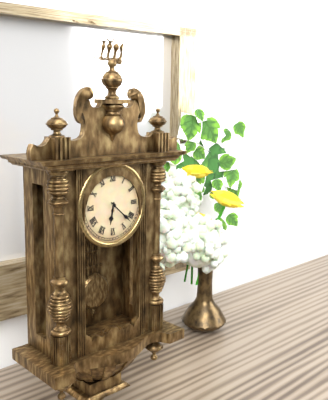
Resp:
6h22
